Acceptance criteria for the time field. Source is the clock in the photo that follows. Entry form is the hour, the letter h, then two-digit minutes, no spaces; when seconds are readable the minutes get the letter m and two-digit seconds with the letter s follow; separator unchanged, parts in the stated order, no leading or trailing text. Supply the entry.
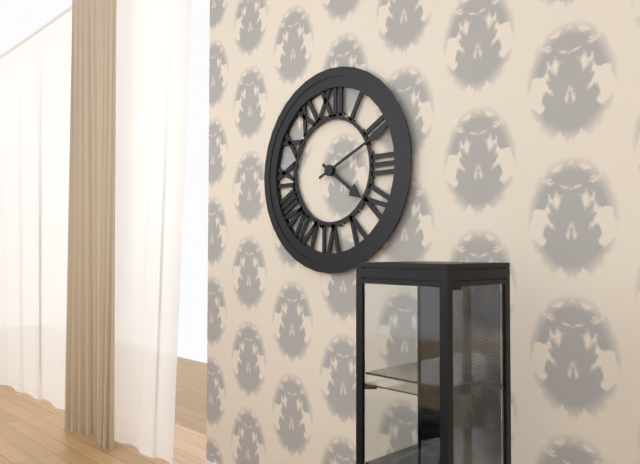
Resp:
4h11
